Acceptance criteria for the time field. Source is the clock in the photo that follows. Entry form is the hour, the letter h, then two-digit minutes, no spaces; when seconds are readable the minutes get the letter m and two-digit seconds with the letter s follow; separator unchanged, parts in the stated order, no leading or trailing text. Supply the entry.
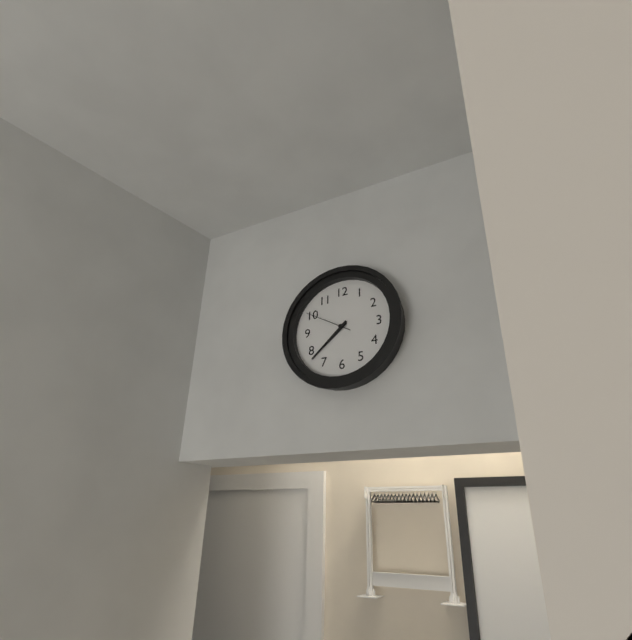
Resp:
7h38
